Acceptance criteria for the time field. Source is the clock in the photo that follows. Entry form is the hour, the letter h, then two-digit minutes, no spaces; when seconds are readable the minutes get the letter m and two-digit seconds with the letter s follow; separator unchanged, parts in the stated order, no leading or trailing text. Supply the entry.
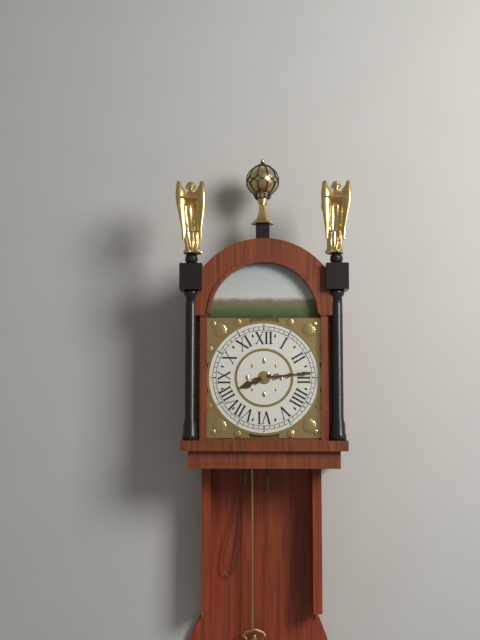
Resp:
8h14
